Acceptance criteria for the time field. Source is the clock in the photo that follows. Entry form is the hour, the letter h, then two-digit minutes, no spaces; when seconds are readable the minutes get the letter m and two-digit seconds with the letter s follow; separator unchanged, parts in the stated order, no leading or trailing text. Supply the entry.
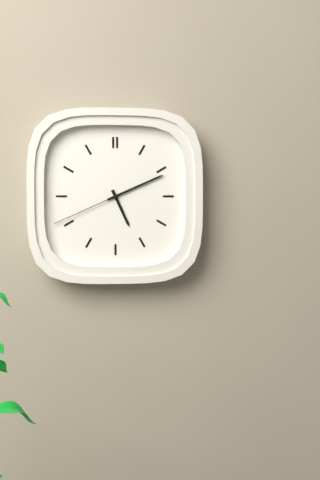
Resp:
5h11m41s
